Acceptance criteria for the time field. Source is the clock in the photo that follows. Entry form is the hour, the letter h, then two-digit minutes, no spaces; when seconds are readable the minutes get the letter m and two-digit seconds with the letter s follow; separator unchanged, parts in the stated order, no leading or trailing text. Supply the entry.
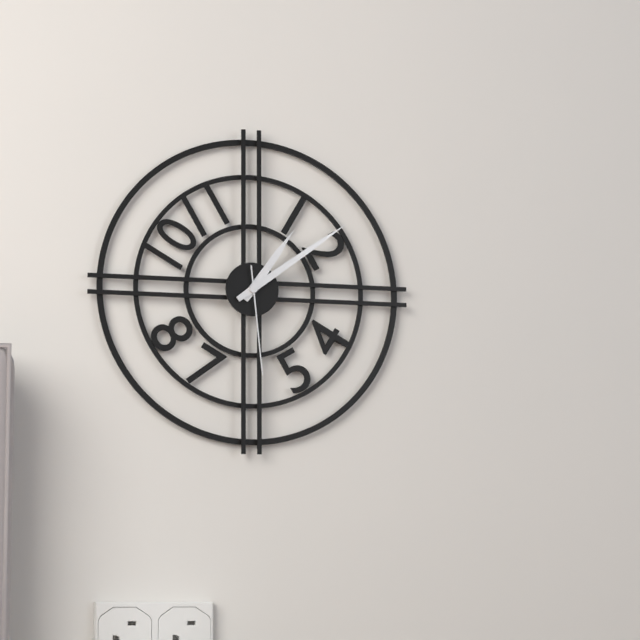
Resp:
1h09m29s
